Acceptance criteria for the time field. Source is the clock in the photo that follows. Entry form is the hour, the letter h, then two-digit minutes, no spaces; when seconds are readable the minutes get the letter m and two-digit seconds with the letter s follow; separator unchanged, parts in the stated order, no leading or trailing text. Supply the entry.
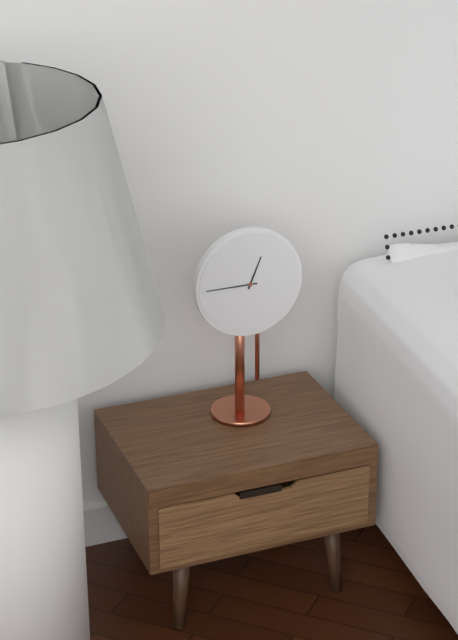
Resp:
12h45
